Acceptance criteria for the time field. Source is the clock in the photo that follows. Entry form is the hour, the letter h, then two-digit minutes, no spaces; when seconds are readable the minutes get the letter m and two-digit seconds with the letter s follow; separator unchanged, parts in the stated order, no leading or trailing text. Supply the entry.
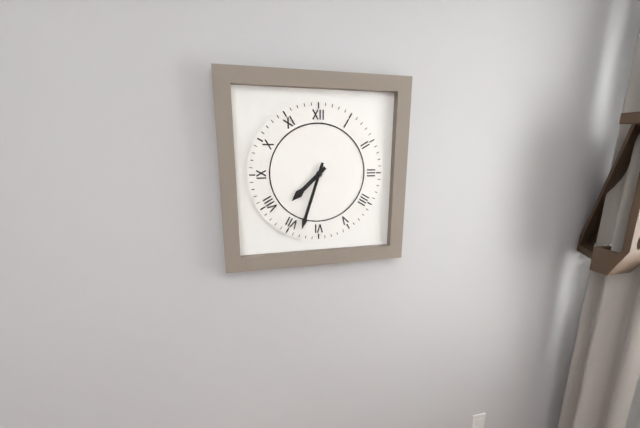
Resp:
7h33
